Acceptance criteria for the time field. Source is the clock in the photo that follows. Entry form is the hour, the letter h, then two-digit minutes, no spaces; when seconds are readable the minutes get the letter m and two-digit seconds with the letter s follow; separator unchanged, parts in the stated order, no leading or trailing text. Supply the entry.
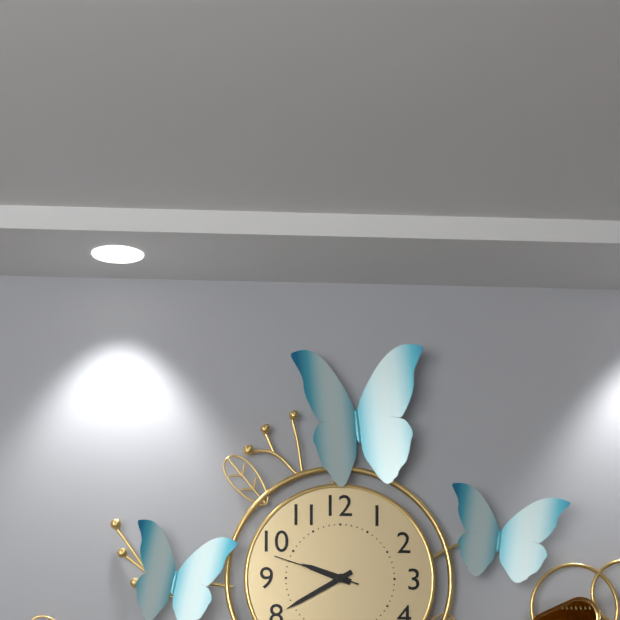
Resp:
9h40m48s
